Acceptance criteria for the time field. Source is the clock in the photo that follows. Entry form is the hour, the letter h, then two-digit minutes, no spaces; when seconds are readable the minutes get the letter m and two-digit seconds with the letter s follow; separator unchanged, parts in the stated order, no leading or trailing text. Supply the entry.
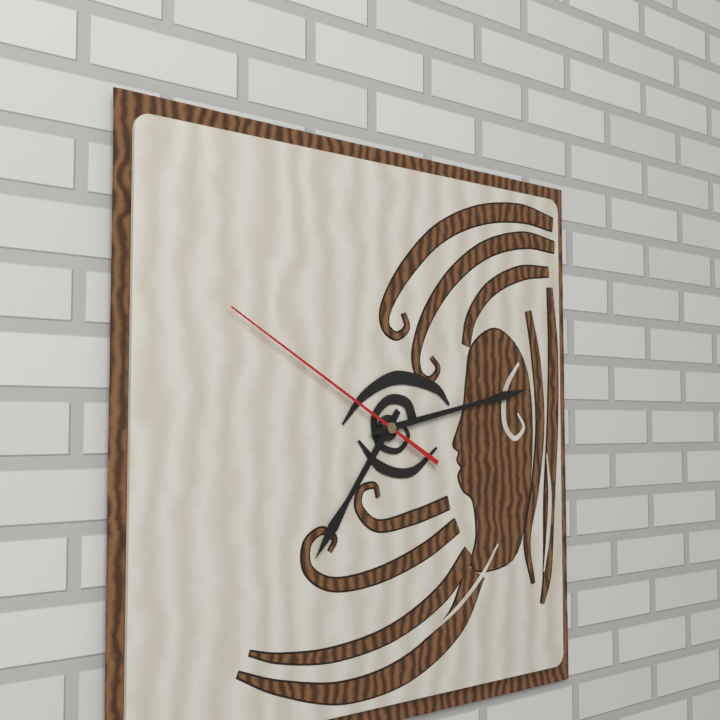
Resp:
7h13m50s
